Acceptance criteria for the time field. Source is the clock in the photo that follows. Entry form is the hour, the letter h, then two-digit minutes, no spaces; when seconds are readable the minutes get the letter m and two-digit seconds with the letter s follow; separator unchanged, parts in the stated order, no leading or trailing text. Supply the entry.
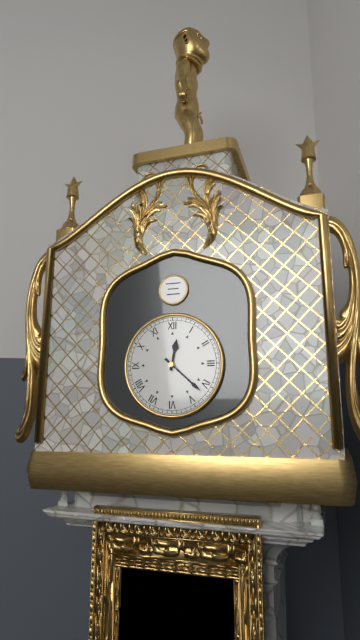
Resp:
12h22
